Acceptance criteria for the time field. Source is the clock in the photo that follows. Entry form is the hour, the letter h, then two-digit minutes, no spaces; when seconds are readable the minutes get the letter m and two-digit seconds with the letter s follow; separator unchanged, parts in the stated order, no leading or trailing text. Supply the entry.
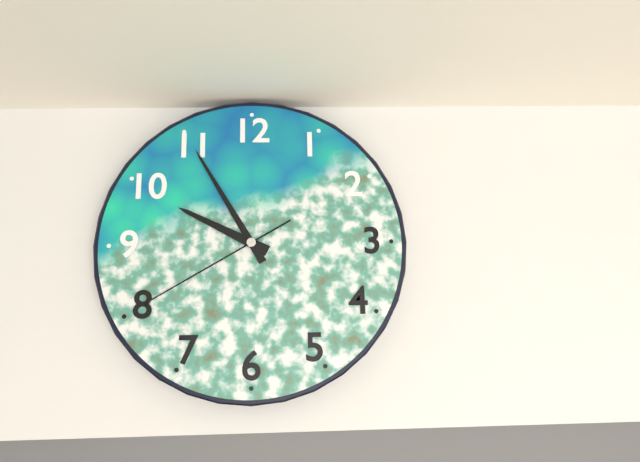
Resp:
9h55m40s
